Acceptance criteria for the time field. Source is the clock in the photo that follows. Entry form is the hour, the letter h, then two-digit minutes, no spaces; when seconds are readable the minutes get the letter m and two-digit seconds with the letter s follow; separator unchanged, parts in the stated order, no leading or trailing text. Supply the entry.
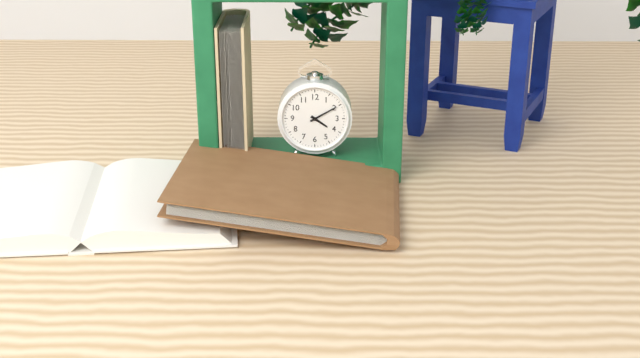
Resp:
4h10
